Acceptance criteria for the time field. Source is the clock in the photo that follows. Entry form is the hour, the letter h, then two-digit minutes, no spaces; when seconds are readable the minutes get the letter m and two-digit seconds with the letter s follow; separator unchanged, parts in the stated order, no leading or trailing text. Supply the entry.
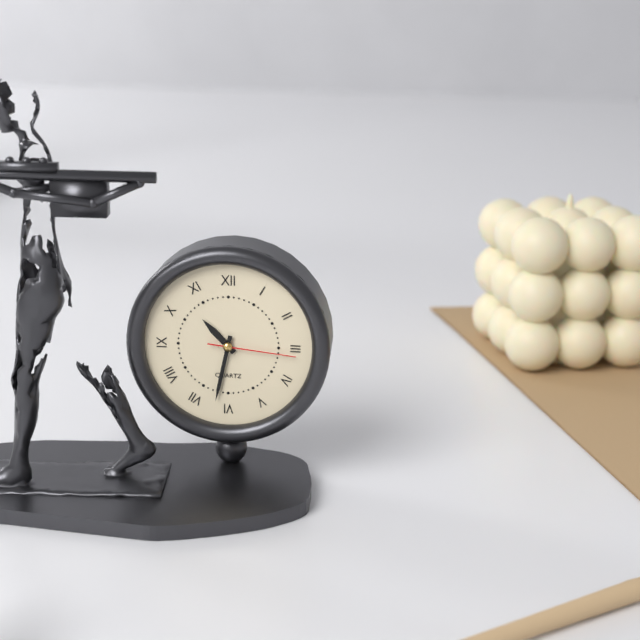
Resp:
10h32m16s
